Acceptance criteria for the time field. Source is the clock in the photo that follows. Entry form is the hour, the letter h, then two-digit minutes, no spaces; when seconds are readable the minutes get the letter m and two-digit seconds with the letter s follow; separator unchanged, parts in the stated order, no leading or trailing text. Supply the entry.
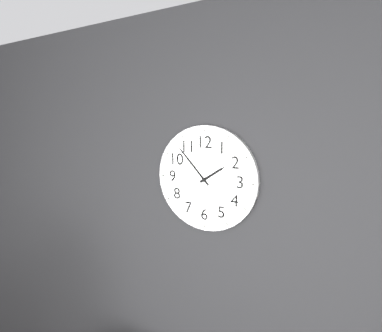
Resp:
1h53
